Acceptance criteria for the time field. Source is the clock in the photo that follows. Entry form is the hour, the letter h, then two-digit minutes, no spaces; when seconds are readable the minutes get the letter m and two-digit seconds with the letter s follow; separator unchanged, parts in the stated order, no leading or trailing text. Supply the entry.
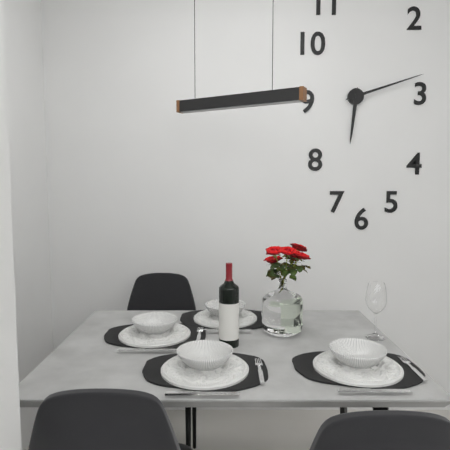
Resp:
6h12
